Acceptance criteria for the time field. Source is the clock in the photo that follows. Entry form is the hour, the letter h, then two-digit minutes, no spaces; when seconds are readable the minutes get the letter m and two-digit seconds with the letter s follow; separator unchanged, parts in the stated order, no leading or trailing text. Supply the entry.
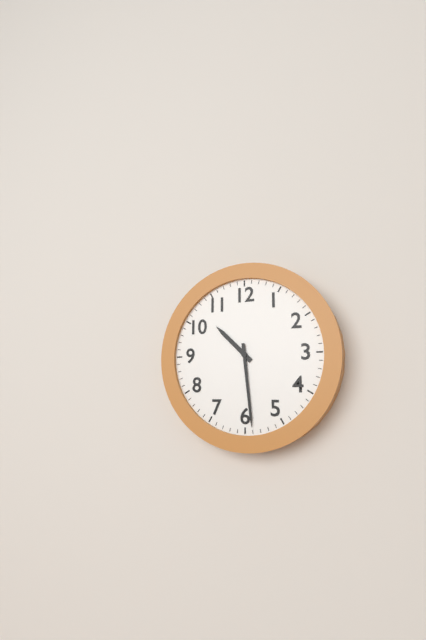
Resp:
10h29
